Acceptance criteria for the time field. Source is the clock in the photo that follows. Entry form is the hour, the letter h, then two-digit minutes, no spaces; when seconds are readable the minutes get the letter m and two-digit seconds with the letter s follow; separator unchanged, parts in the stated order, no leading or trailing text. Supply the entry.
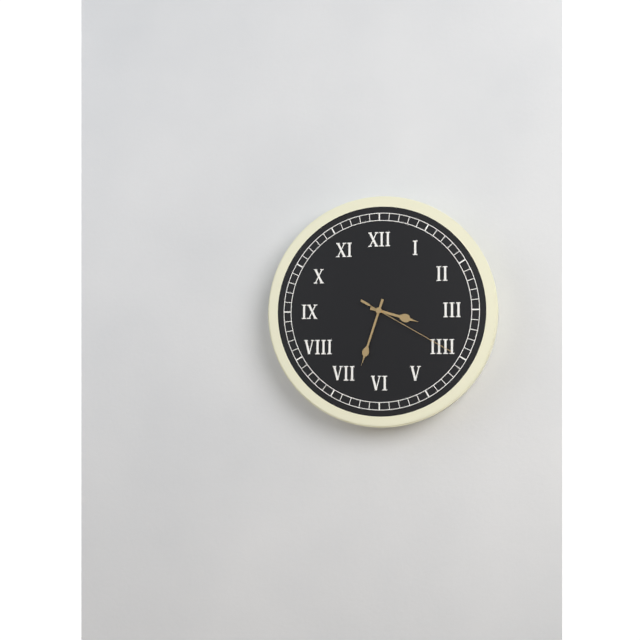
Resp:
3h33m20s
